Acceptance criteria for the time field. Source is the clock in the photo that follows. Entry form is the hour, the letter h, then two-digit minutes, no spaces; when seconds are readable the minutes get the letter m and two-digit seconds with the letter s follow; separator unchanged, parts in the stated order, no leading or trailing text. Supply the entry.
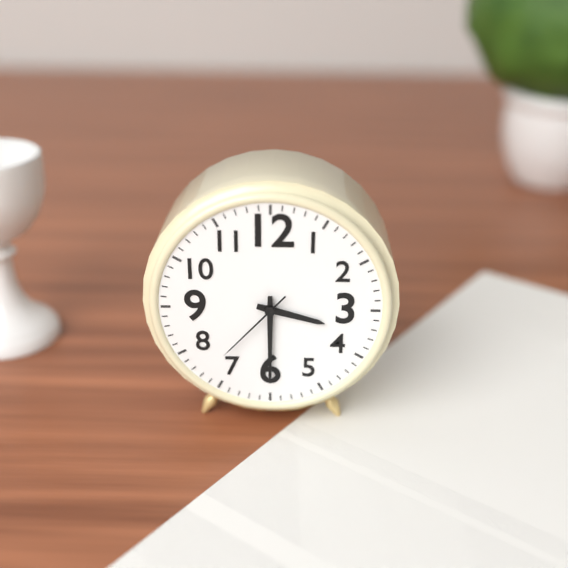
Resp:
3h30m37s
